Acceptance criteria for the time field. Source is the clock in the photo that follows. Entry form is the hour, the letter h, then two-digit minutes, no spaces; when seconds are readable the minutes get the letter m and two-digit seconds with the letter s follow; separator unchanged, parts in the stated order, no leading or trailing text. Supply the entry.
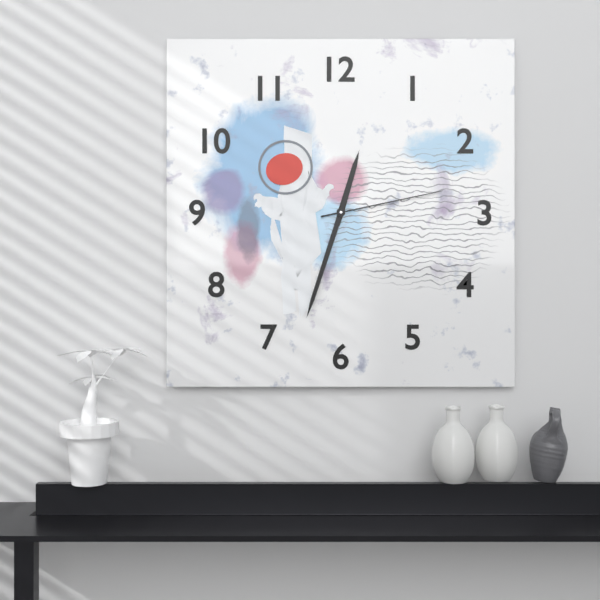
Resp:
12h33m13s
